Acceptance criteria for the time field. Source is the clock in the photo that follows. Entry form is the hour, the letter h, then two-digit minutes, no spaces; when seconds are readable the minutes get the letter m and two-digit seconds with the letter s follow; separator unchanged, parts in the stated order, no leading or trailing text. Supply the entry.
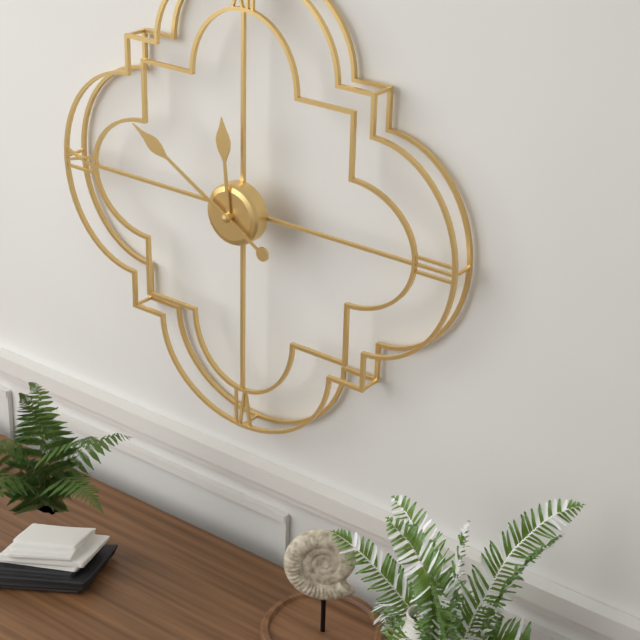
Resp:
11h50
